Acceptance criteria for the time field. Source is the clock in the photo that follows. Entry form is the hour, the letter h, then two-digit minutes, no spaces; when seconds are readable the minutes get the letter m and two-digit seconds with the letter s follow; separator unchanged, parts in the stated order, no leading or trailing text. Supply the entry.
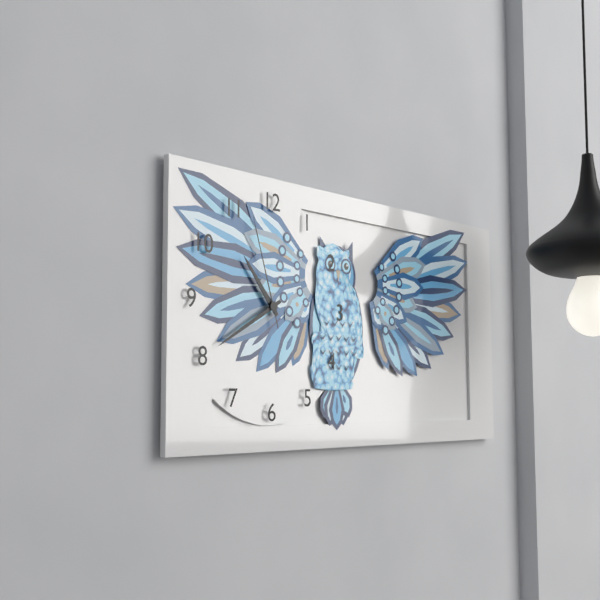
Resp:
10h40m57s
